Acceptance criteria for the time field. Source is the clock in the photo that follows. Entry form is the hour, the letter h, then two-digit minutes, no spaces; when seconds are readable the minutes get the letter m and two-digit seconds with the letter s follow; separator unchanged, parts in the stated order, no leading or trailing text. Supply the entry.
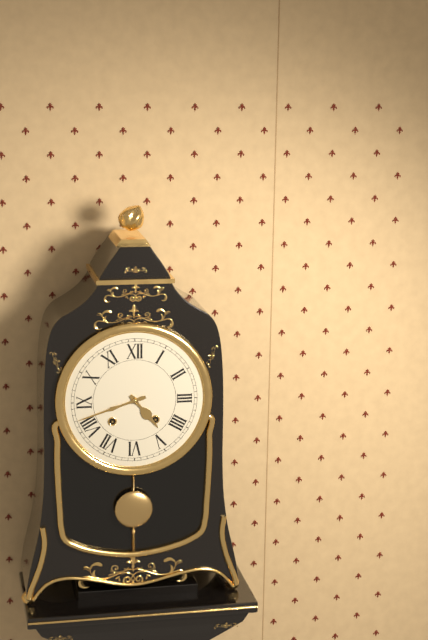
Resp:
4h42
